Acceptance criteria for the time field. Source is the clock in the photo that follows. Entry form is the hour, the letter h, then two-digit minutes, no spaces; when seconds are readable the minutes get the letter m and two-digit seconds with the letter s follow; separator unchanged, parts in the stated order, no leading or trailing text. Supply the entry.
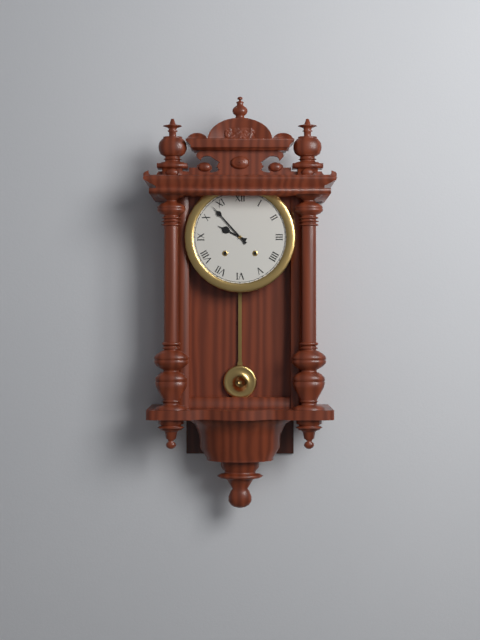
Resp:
9h53
